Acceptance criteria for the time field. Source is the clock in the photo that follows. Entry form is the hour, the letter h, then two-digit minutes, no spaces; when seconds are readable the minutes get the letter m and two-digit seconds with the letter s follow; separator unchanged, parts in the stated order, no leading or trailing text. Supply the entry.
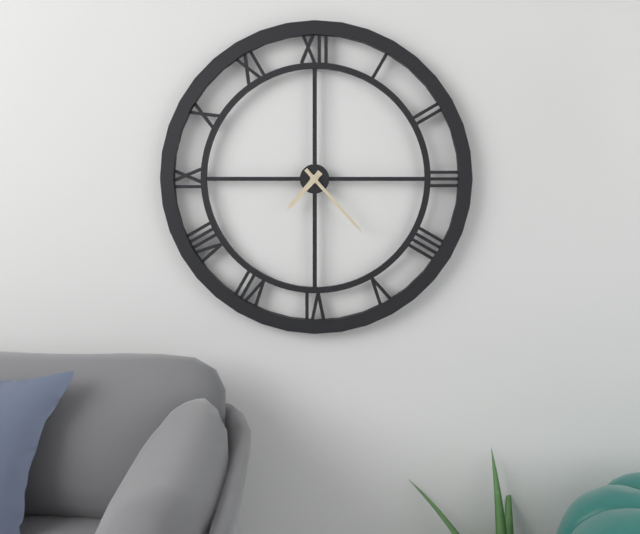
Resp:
7h23
